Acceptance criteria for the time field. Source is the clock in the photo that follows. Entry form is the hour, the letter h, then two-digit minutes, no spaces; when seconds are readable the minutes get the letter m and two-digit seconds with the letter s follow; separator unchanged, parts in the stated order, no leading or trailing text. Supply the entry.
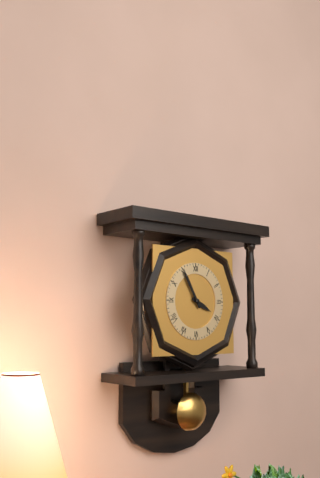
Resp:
3h55
